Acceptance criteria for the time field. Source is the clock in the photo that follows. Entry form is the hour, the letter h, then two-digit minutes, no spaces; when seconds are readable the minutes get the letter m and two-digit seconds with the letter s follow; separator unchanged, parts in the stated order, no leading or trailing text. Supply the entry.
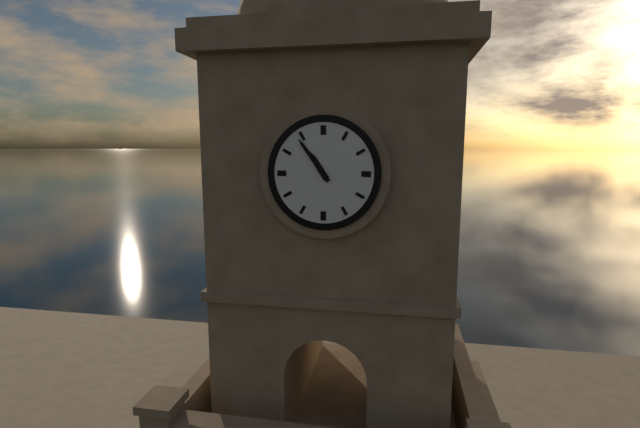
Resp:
10h54
